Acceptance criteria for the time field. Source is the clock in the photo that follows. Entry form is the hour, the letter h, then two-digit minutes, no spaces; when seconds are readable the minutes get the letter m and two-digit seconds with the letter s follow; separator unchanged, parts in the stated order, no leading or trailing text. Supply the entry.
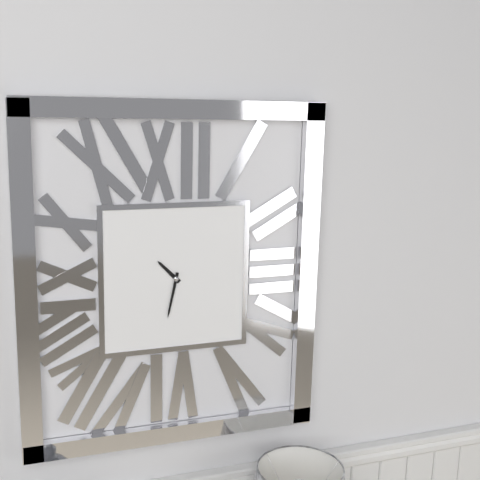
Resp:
10h32
